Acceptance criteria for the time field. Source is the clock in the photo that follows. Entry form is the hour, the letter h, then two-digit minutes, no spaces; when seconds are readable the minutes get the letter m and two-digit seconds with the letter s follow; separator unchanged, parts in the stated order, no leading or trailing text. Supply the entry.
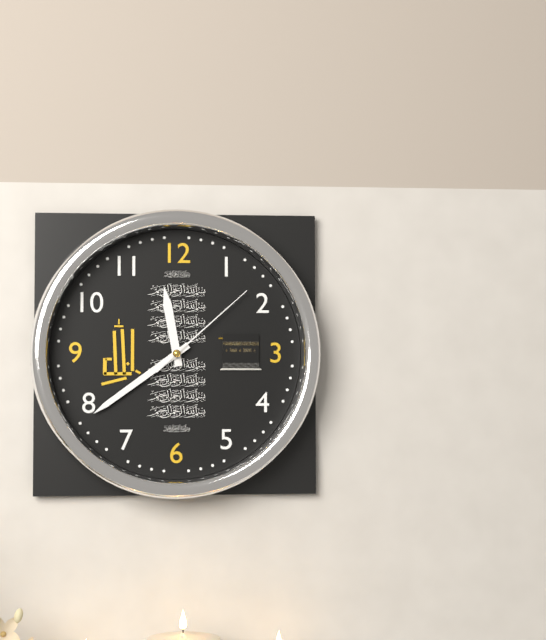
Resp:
11h39m08s
